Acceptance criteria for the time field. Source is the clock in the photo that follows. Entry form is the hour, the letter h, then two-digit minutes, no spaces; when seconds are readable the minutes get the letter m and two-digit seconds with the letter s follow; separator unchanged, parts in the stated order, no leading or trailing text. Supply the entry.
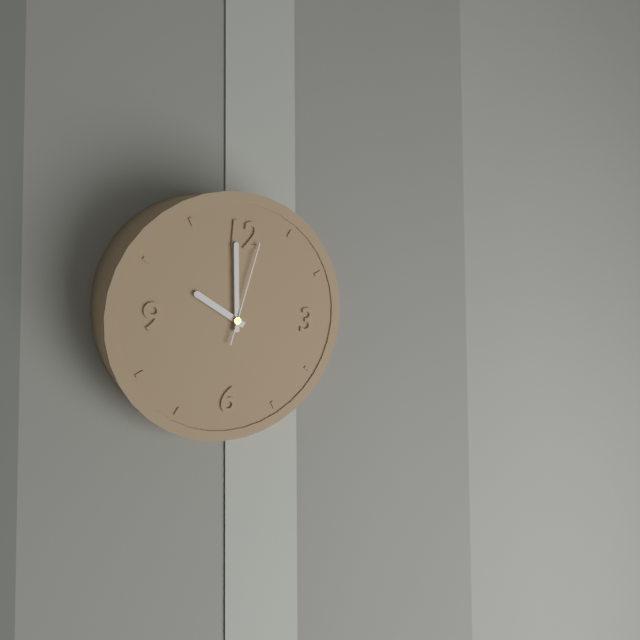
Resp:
9h59m02s
